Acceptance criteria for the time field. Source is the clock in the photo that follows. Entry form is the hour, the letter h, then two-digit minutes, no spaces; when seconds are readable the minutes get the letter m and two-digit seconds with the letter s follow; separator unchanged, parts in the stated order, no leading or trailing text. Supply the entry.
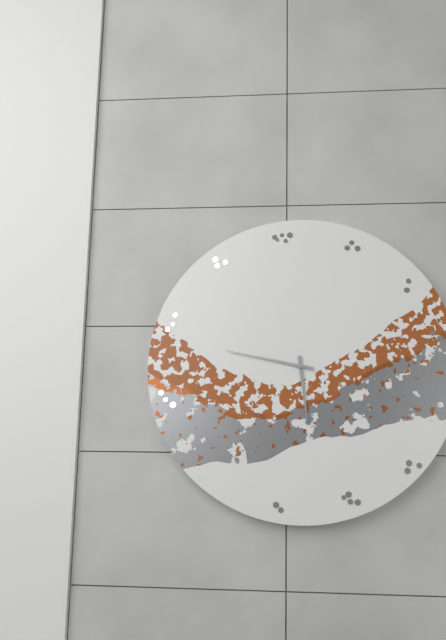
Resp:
5h47
